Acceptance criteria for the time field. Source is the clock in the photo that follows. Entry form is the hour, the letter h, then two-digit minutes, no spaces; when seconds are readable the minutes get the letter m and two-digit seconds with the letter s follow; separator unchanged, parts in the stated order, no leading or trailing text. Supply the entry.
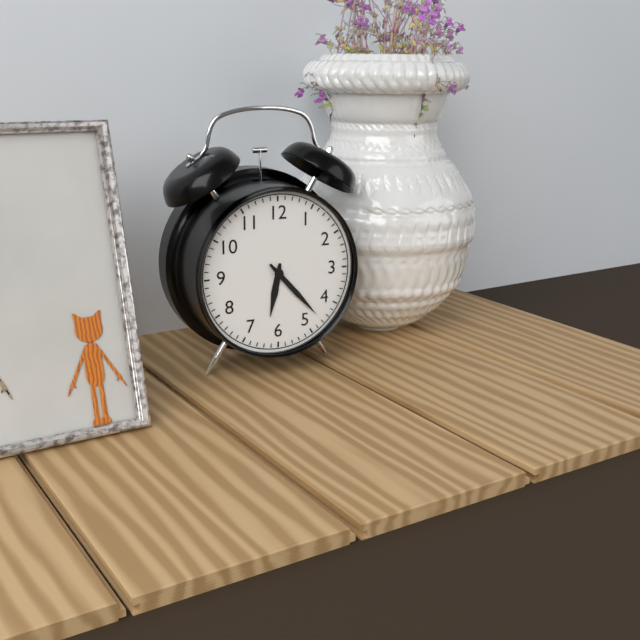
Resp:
6h23
